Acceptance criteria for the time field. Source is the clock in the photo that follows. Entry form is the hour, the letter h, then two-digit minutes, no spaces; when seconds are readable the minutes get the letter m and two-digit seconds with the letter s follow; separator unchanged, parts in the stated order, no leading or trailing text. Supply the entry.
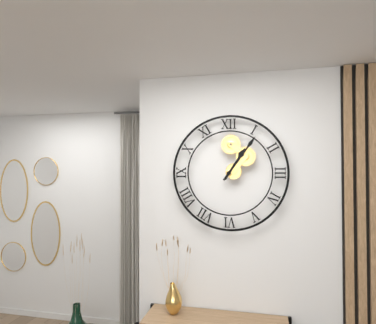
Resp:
1h06
